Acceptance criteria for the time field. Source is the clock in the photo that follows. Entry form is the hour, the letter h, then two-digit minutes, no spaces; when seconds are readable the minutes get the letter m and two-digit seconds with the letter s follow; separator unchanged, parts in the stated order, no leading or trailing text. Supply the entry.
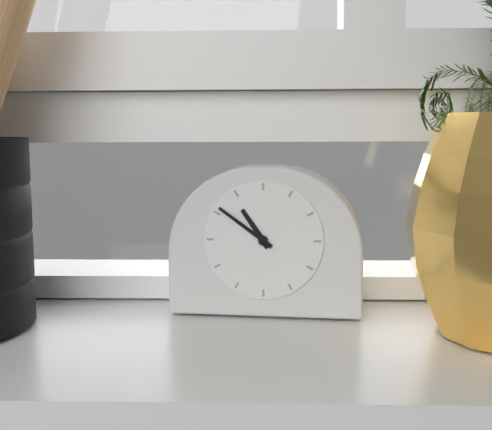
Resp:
10h51
